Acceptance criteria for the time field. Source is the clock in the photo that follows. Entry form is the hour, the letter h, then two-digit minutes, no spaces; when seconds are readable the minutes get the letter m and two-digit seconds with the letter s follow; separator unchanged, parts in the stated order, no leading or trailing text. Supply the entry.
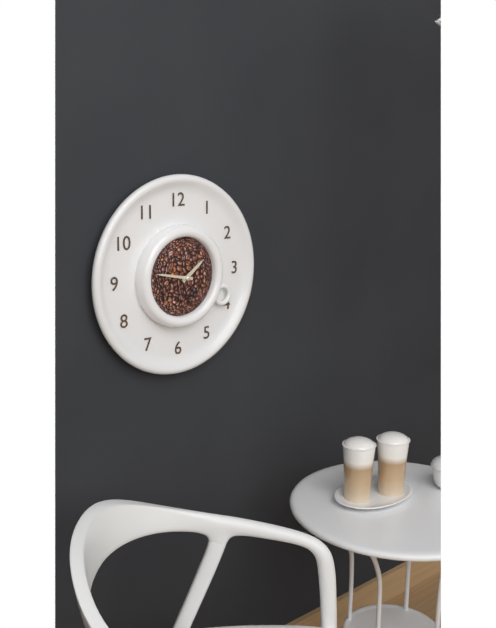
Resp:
1h47
